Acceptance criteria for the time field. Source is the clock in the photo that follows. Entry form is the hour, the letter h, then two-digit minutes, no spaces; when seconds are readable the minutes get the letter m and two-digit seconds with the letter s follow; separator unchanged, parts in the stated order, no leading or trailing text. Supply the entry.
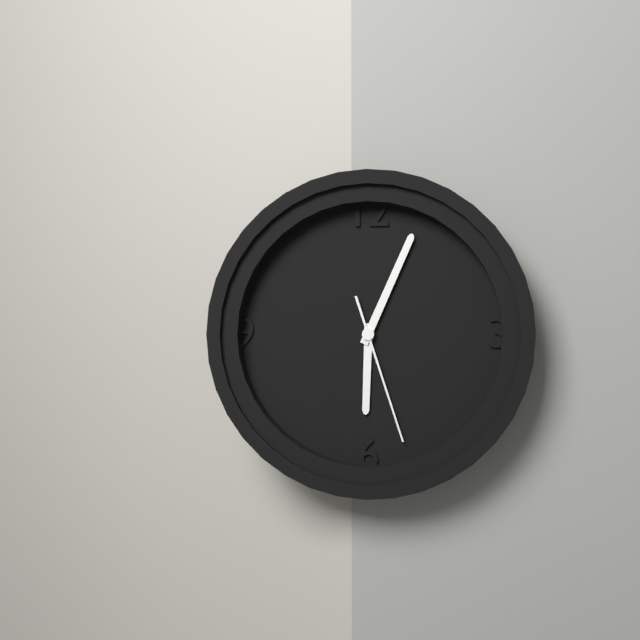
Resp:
6h04m27s
